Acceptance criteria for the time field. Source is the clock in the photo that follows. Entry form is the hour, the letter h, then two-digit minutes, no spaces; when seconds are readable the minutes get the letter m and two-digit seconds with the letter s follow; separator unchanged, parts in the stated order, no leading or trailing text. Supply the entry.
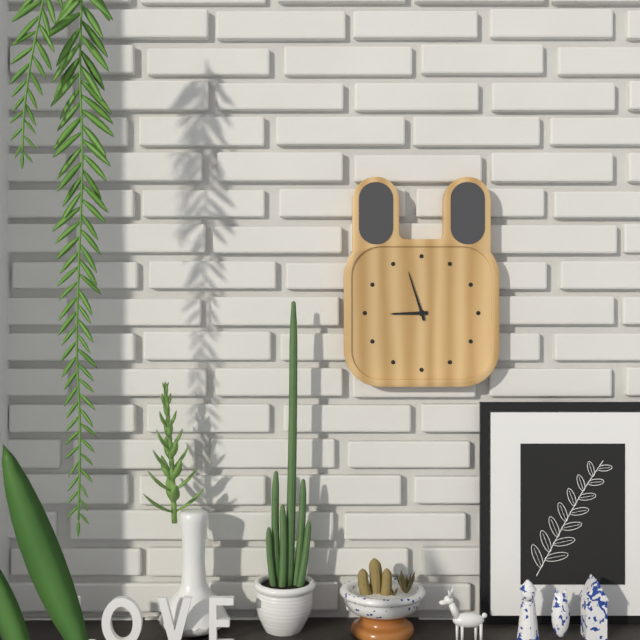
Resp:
8h57
